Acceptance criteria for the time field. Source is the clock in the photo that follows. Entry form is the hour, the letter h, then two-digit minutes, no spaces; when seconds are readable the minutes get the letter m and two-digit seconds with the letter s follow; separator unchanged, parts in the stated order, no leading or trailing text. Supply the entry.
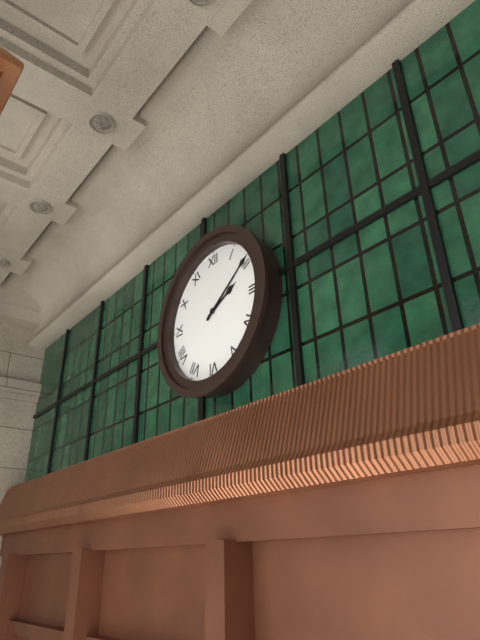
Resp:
2h09
